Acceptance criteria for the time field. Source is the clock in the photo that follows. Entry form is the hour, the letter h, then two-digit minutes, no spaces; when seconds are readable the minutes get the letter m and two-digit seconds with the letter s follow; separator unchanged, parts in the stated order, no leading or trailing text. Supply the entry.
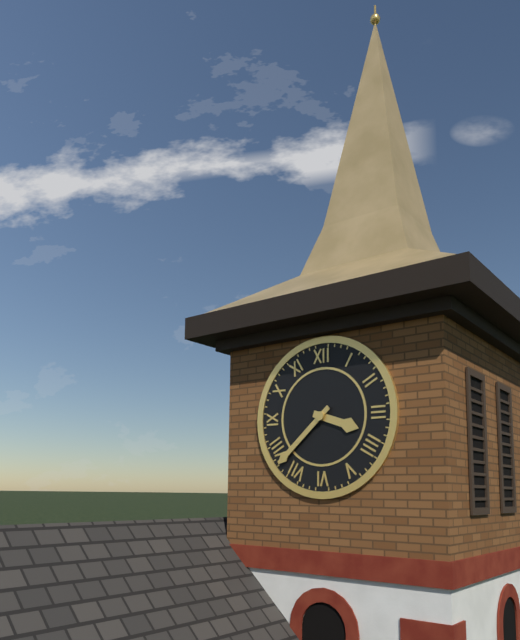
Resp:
3h38
